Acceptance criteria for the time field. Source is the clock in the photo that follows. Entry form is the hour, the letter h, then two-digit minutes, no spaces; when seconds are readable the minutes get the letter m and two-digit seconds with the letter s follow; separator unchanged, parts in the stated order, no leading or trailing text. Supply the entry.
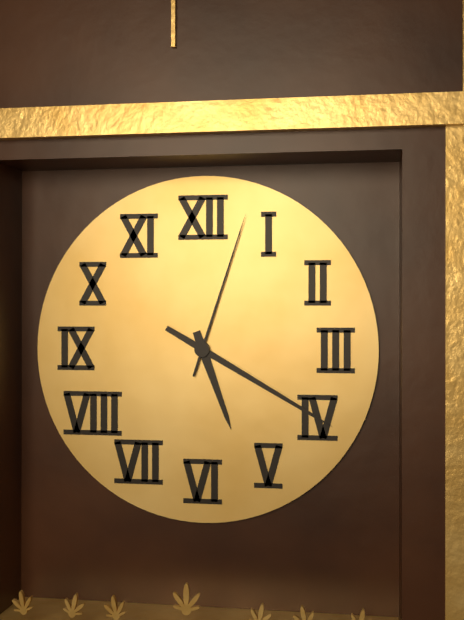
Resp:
5h20m03s
